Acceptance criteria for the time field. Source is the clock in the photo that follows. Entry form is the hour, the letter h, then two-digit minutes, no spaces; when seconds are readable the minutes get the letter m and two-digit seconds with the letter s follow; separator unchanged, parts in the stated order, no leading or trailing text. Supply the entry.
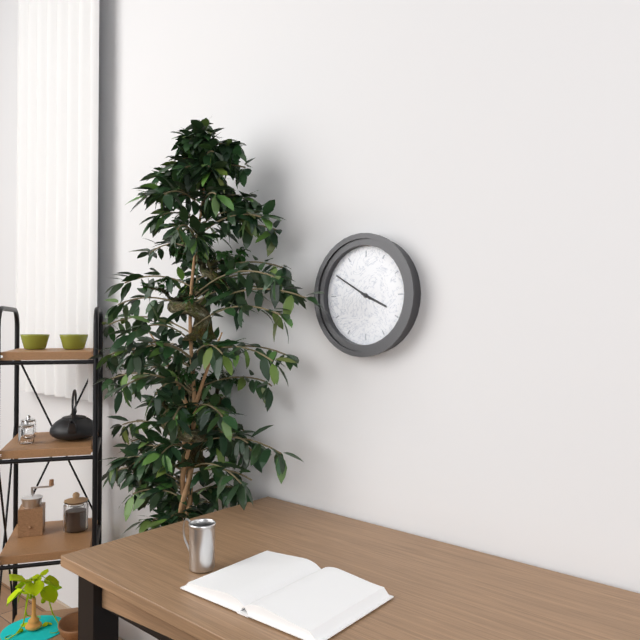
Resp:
3h50
